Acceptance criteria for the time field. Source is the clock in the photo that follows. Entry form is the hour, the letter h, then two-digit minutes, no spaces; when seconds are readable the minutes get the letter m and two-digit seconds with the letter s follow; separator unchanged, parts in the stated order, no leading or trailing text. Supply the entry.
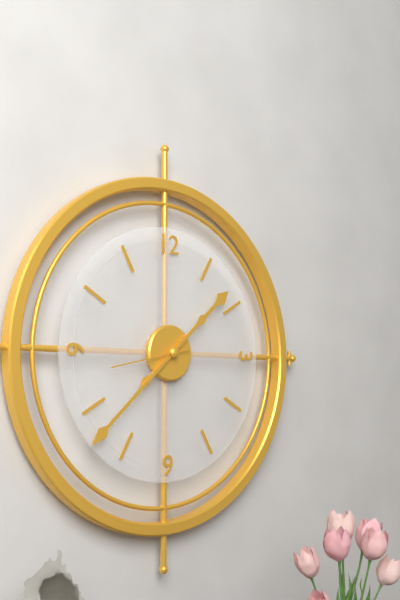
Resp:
1h38m43s
